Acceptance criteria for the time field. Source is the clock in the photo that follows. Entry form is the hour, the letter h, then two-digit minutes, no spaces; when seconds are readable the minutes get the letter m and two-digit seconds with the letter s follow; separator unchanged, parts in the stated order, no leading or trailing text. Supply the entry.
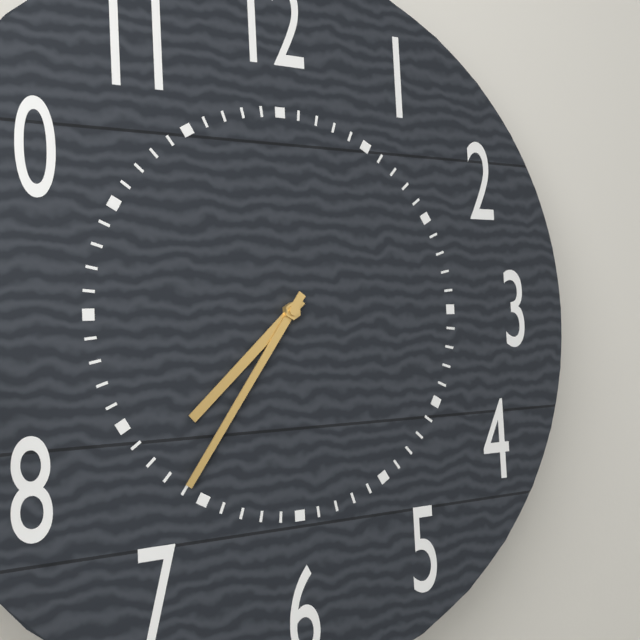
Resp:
7h36
